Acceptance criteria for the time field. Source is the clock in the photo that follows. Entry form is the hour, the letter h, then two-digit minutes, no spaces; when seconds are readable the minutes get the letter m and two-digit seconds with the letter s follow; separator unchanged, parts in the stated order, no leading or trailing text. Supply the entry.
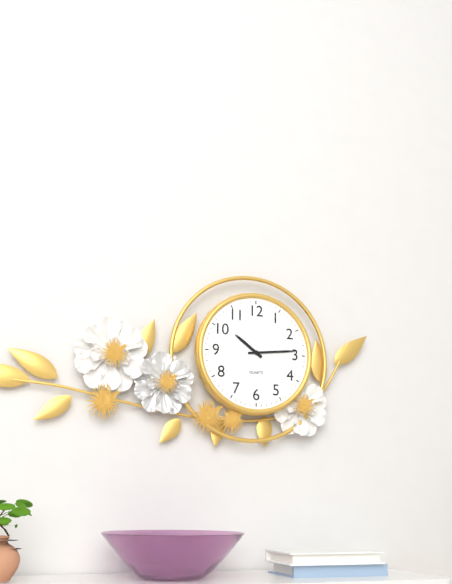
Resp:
10h14
